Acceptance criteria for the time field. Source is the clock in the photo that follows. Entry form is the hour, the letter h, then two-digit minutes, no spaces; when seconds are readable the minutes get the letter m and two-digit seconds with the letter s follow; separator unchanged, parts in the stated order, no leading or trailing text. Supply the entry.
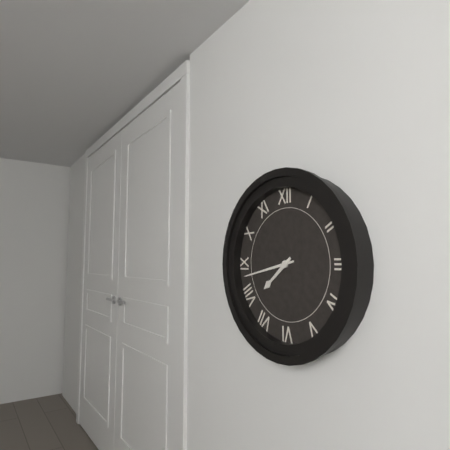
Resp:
7h43
